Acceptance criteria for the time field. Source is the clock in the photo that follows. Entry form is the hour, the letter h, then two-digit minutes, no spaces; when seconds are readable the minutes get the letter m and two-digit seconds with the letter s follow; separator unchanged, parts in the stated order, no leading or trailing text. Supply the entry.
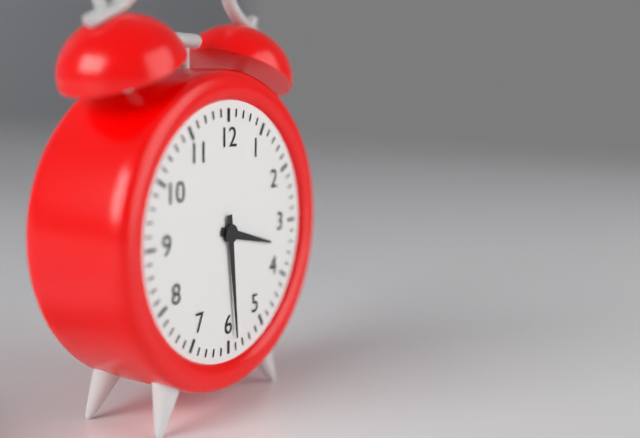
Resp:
3h29
